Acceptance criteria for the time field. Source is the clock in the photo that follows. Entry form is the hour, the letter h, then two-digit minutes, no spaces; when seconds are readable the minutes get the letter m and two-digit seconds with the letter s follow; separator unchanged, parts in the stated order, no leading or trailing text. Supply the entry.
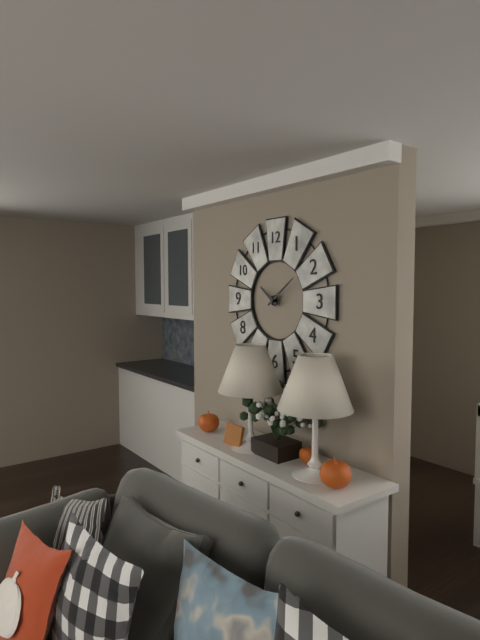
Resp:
10h09
